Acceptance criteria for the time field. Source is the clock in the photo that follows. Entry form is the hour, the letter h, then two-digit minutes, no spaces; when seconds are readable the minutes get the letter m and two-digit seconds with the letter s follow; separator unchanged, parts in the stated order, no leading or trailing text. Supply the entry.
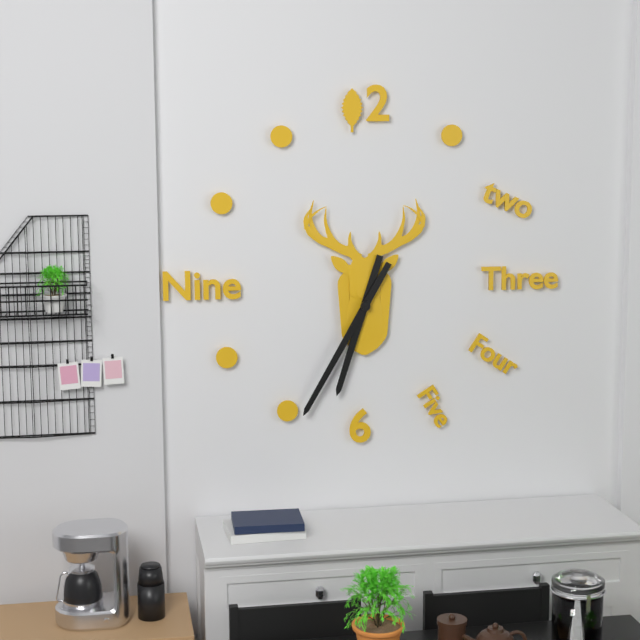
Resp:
6h35
